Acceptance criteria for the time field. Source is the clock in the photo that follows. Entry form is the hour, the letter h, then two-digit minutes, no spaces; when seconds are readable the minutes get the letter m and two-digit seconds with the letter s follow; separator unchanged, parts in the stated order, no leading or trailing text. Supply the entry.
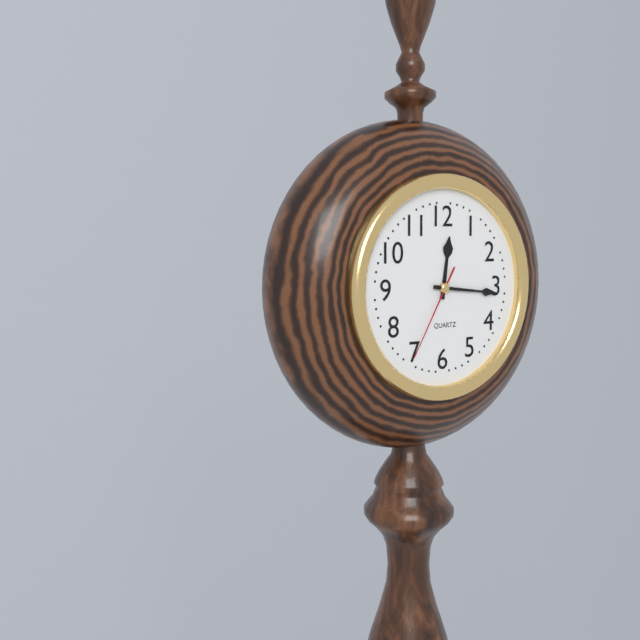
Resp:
12h16m35s
